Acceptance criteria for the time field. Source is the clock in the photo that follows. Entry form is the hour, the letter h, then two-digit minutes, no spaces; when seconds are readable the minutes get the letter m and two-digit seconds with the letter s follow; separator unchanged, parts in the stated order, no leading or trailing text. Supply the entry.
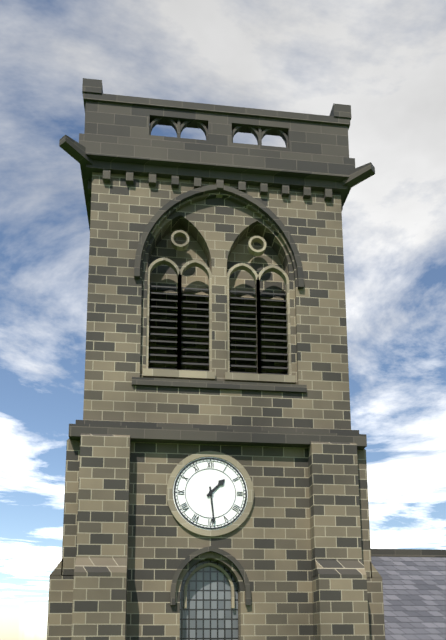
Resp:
1h29
